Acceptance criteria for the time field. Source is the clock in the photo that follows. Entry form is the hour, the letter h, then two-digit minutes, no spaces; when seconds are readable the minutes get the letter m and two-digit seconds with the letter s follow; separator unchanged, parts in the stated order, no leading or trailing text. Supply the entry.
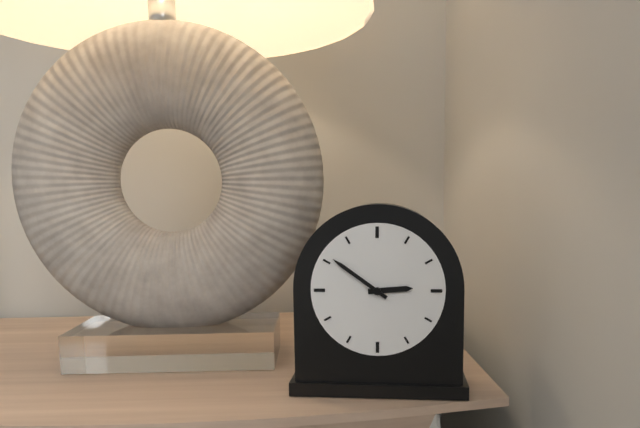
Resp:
2h51
